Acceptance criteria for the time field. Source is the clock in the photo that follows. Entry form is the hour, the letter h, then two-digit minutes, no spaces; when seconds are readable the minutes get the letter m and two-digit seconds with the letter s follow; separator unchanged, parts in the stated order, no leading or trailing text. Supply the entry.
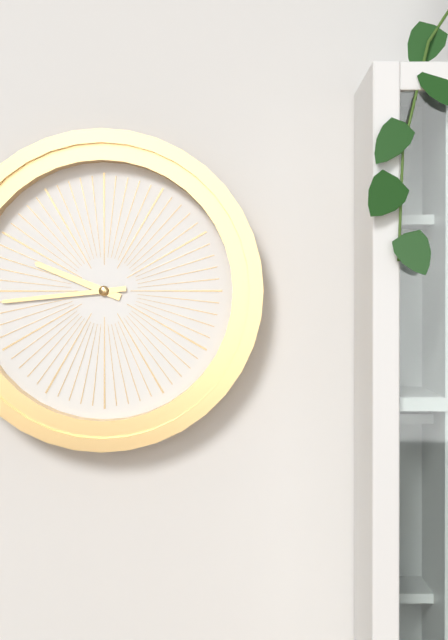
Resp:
9h44
